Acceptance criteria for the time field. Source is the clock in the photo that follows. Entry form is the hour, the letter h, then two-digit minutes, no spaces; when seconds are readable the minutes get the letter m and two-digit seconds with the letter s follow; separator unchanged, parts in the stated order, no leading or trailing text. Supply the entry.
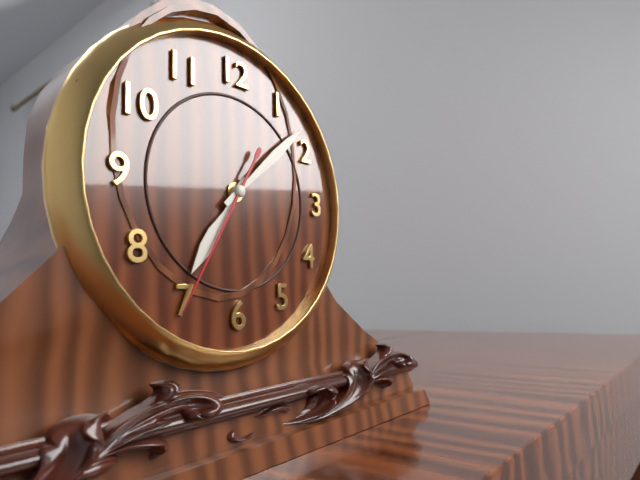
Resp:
7h08m35s
